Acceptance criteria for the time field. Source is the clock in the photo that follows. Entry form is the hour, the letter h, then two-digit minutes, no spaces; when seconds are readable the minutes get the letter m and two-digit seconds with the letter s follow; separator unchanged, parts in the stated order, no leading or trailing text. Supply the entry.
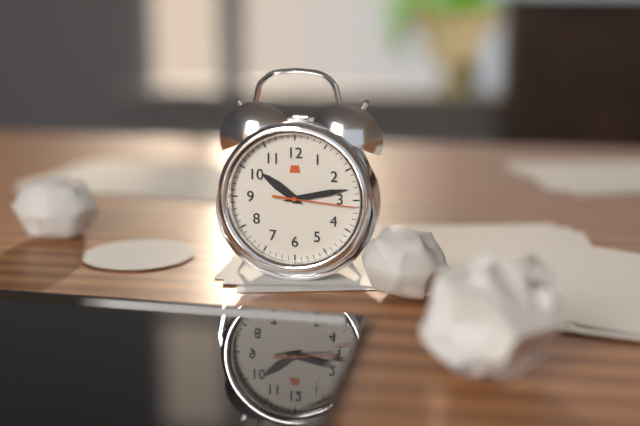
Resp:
10h13m16s
